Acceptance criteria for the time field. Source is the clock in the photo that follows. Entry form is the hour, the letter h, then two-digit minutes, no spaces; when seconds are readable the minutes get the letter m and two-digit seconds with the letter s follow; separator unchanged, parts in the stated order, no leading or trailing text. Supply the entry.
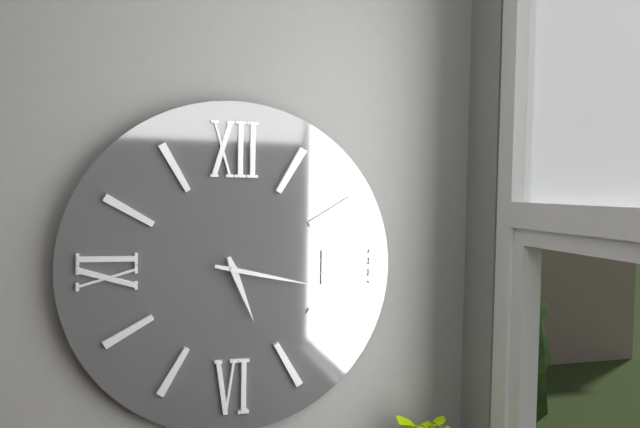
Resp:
5h17
